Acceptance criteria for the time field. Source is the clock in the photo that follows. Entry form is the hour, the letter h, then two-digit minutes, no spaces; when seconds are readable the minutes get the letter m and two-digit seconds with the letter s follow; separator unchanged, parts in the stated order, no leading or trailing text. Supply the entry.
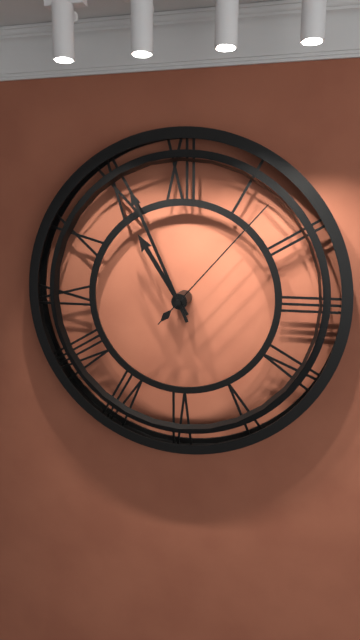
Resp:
10h56m07s
